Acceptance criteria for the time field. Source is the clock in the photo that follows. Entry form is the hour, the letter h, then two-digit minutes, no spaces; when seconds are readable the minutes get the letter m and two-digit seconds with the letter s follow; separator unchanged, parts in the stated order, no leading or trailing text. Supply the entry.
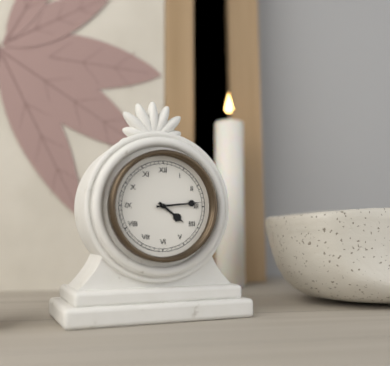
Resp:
4h14
